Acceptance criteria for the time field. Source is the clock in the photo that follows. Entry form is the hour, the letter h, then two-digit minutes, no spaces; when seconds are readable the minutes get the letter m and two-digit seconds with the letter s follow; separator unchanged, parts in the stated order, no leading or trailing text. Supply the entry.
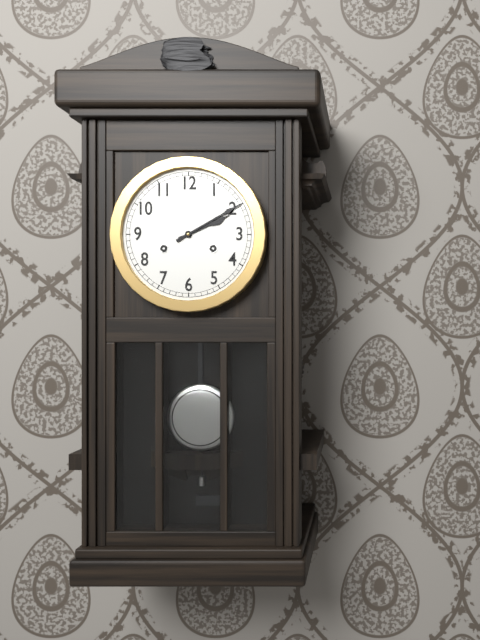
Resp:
2h10
